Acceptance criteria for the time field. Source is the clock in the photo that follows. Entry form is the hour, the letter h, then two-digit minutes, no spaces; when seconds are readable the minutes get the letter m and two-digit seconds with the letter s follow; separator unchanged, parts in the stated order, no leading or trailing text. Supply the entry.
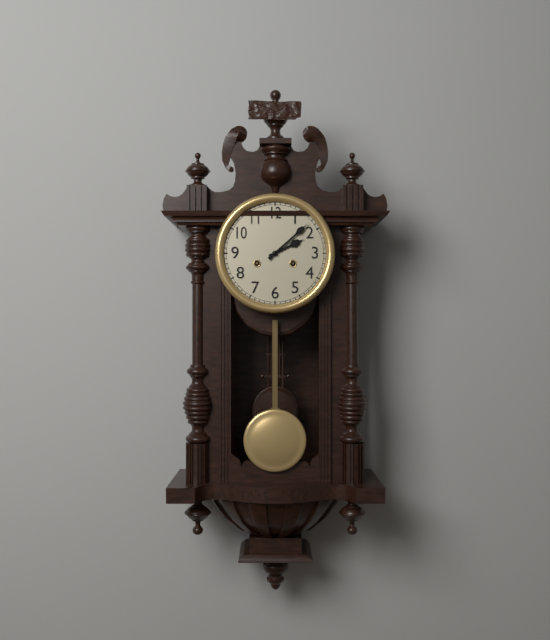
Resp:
2h08
